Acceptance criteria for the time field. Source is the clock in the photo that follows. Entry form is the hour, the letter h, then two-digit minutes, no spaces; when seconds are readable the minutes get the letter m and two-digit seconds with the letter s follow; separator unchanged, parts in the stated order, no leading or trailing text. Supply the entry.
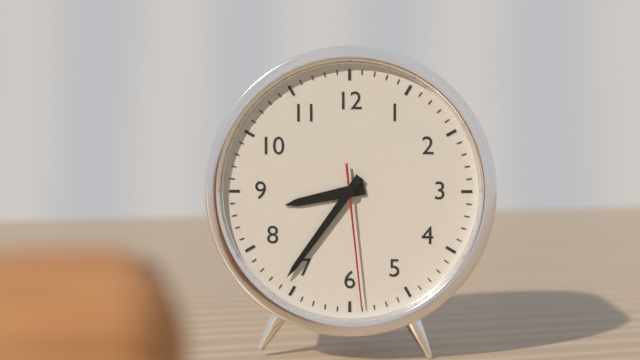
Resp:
8h36m29s
